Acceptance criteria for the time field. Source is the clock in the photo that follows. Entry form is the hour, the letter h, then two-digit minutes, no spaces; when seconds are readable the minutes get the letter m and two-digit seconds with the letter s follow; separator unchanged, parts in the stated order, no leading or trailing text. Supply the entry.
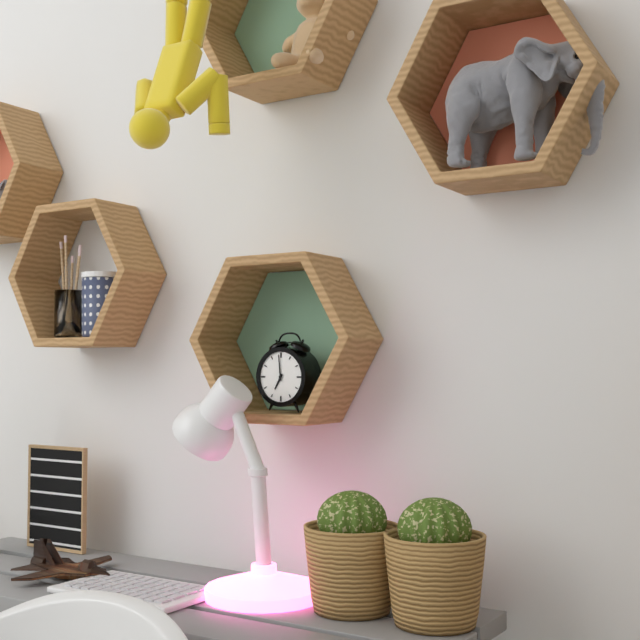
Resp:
6h59
